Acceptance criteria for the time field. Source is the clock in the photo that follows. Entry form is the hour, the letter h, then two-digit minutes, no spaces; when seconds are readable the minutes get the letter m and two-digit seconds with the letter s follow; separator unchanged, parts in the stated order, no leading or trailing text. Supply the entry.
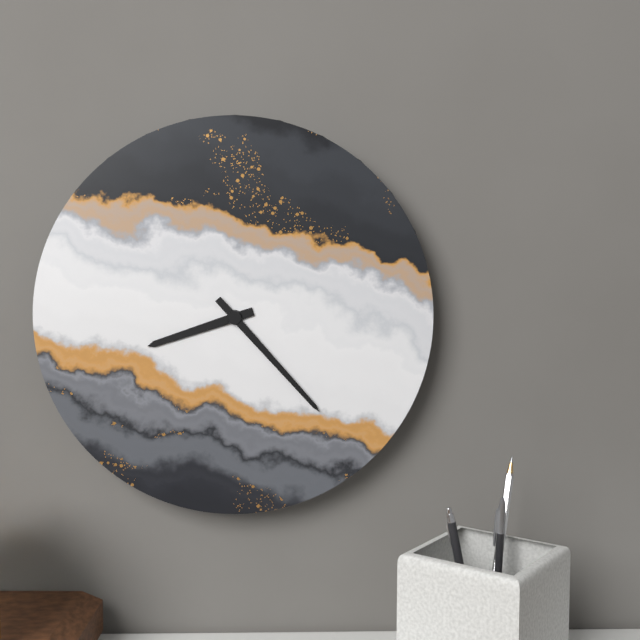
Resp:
8h23
